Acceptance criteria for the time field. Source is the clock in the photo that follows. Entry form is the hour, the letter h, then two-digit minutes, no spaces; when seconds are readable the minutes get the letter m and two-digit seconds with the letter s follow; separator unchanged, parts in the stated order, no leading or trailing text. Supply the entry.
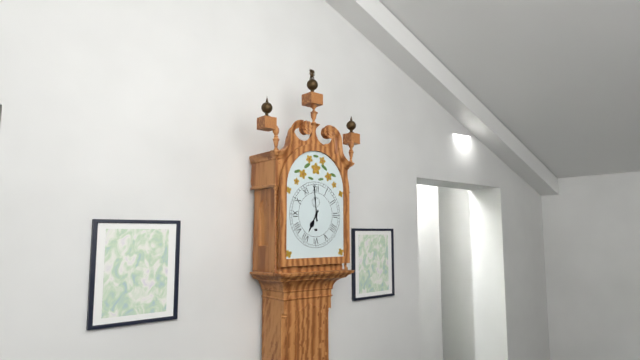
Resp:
6h59
